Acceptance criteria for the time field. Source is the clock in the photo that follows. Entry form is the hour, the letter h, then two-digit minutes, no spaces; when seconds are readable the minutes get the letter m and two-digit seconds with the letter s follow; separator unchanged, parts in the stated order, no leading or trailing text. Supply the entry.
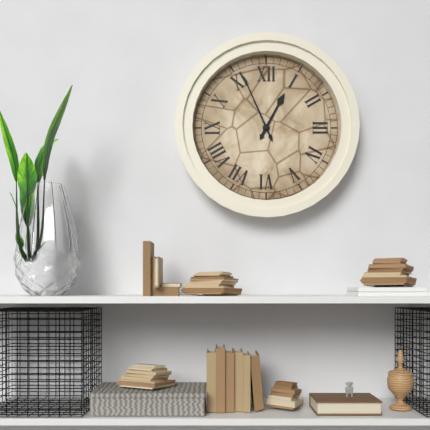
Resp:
12h56
